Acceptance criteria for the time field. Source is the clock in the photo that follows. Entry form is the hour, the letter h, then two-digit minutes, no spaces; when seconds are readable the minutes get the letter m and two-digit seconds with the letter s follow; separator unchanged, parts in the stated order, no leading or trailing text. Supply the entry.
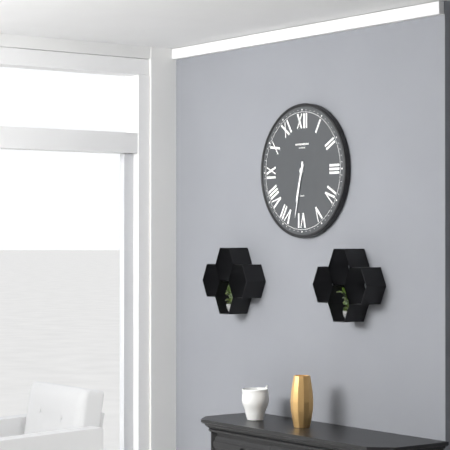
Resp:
6h32
